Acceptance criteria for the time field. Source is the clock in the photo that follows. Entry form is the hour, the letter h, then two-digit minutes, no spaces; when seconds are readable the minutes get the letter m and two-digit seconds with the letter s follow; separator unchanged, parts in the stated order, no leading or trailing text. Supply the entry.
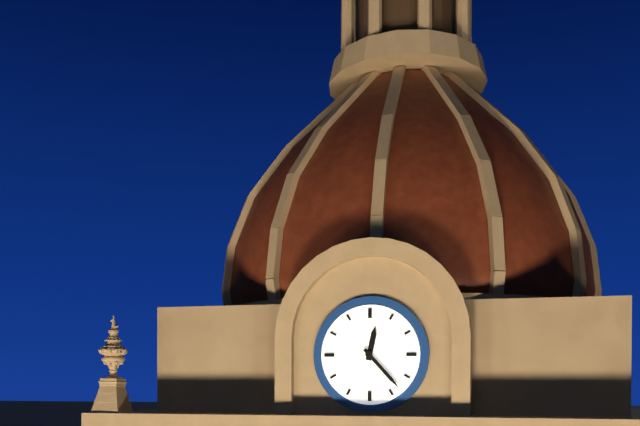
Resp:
12h23
